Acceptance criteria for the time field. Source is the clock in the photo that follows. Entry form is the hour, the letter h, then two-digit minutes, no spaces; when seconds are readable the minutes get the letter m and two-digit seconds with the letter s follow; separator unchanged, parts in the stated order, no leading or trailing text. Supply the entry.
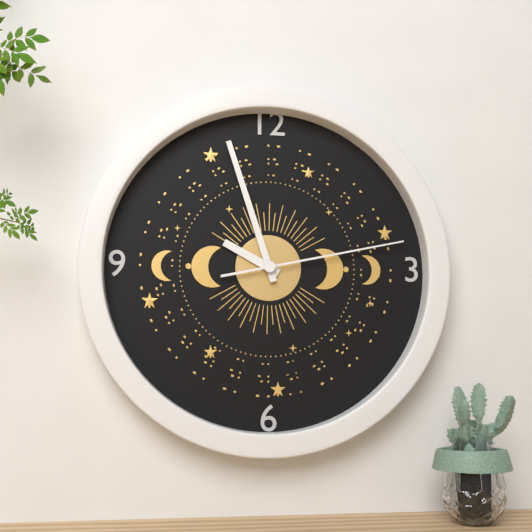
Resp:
9h57m13s
